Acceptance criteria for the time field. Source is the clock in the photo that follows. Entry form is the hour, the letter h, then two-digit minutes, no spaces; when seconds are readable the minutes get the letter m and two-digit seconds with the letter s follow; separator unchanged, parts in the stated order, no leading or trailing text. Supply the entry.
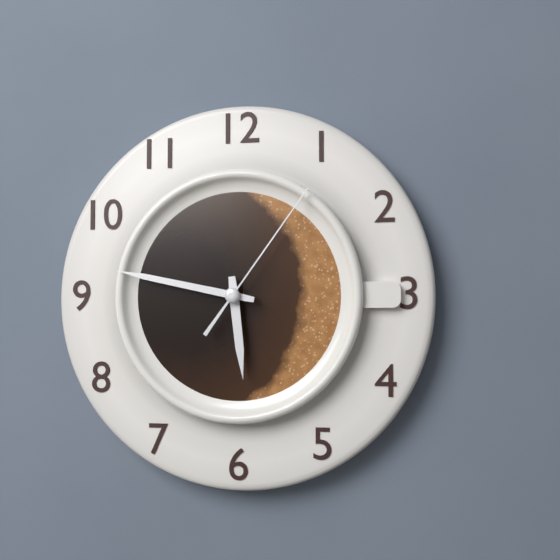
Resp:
5h47m06s
